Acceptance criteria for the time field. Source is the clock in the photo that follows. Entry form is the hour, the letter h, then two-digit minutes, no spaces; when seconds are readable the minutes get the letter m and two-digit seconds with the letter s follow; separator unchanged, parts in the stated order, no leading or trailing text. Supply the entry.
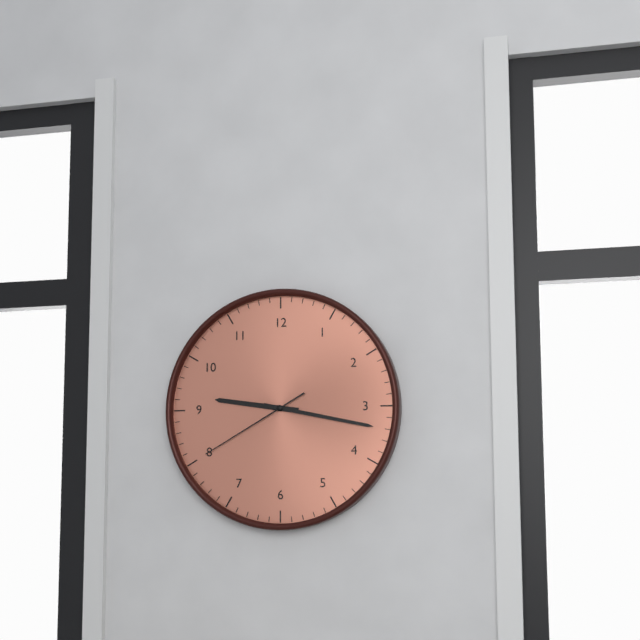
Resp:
9h17m40s
